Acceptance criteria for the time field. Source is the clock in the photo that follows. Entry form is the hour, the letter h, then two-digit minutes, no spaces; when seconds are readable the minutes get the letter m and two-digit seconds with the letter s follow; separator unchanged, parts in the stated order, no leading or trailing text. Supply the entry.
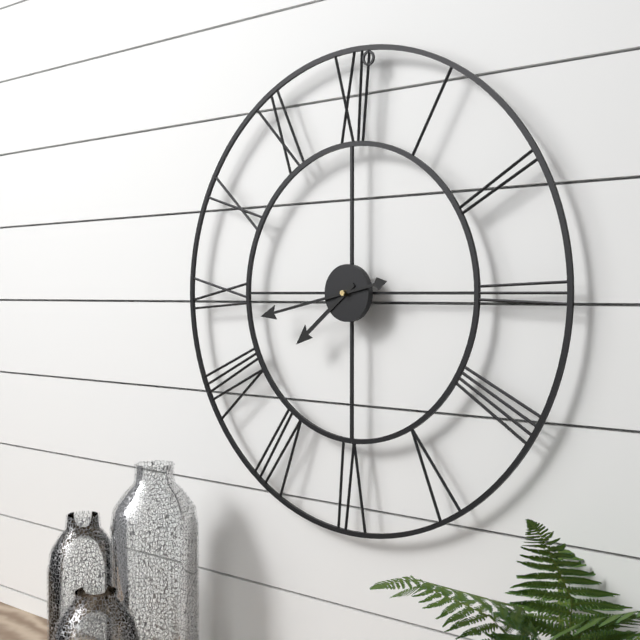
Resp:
7h43
